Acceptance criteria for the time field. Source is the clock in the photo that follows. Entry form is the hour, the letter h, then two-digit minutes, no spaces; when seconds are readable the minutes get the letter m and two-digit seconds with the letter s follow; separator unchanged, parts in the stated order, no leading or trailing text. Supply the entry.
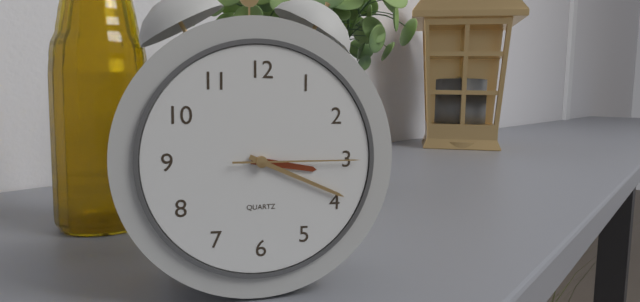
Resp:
3h19m15s
